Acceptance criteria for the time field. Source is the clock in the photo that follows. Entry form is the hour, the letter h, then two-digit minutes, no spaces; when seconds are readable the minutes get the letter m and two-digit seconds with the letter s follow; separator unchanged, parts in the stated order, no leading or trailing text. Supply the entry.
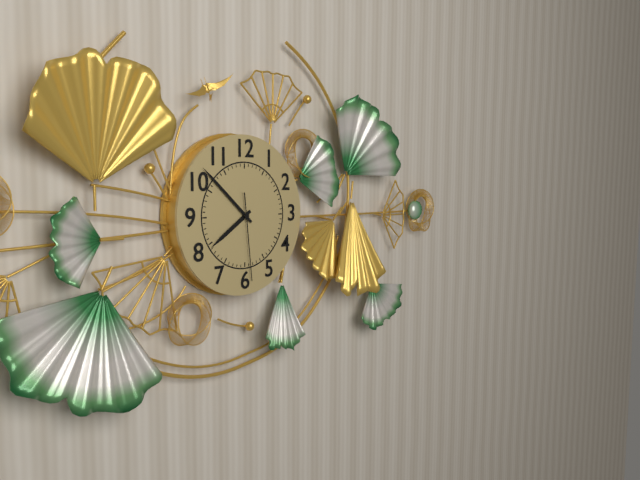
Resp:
7h52m29s
